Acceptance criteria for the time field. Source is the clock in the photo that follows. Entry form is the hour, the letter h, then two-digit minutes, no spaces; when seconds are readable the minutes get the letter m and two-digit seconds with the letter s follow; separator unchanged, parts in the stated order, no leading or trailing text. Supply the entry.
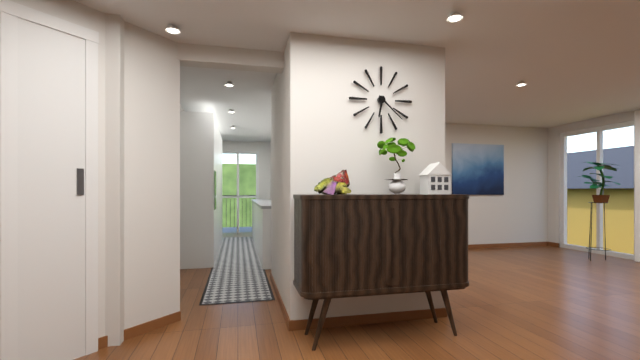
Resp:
6h22
